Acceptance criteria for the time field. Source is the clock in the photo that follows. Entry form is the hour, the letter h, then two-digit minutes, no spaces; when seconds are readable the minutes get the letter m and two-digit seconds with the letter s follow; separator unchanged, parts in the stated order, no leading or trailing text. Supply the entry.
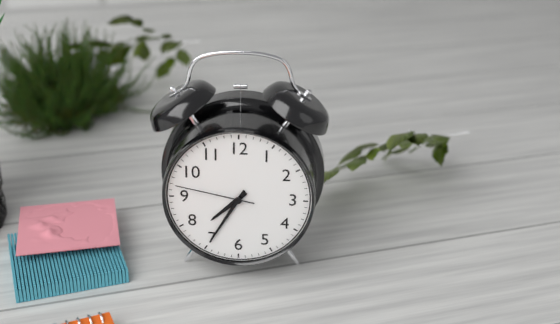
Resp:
7h35m47s
